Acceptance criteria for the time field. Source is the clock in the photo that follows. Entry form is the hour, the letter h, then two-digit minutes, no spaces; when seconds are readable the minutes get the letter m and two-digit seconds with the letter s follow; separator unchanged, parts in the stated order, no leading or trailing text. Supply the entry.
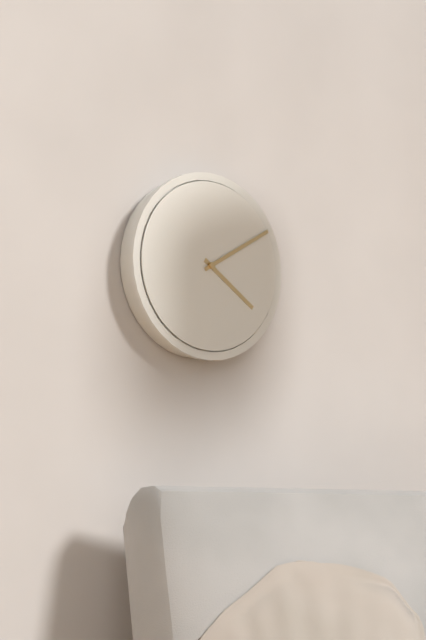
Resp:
4h10
